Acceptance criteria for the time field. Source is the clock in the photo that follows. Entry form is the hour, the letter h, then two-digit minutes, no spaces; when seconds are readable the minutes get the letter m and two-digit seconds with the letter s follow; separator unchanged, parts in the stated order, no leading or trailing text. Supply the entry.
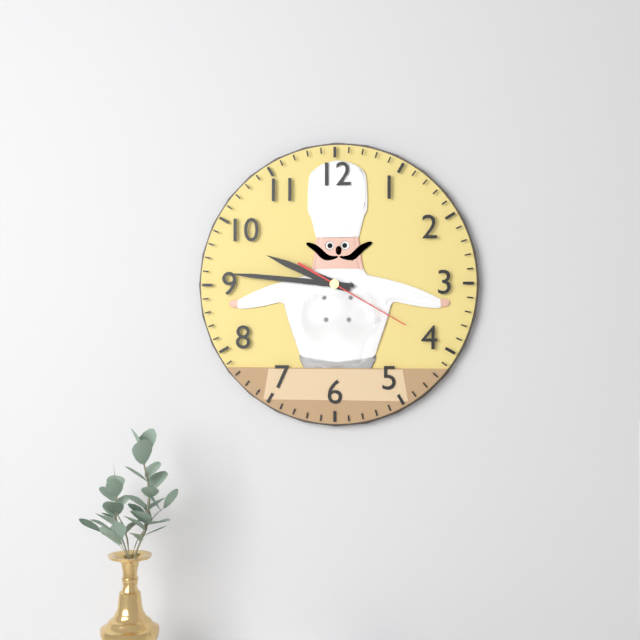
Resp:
9h46m20s
